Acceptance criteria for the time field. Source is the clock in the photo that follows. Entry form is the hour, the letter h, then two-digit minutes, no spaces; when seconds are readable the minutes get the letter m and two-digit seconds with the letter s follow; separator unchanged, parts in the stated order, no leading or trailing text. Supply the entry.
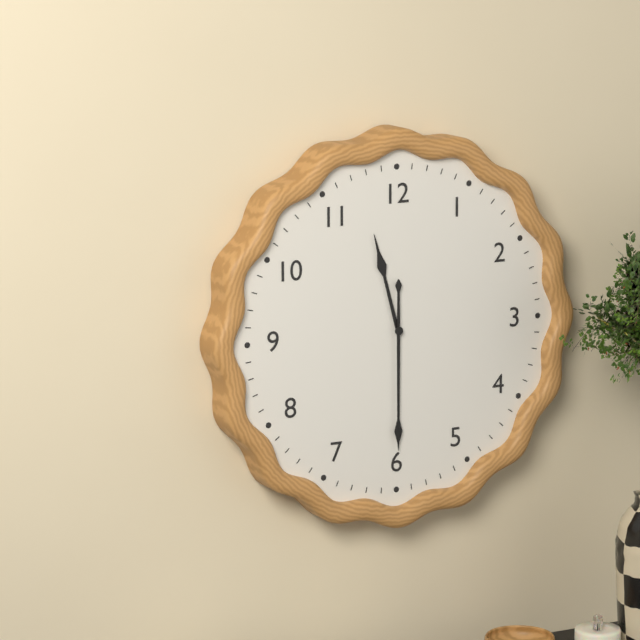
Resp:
11h30
